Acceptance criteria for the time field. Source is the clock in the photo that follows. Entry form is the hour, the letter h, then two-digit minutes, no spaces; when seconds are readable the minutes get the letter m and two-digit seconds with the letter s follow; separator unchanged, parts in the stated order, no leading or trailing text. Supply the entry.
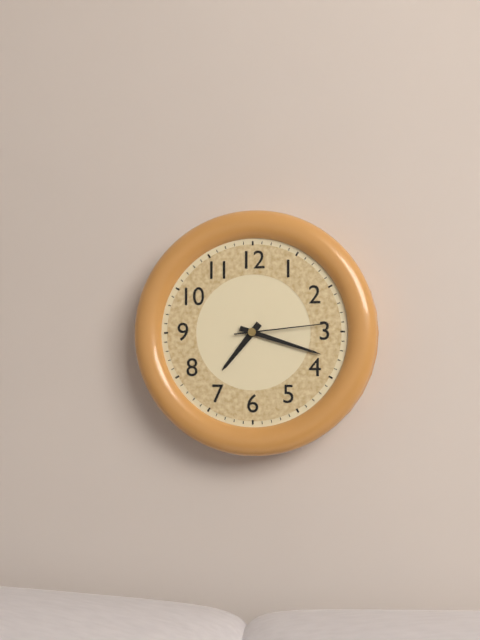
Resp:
7h18m14s
